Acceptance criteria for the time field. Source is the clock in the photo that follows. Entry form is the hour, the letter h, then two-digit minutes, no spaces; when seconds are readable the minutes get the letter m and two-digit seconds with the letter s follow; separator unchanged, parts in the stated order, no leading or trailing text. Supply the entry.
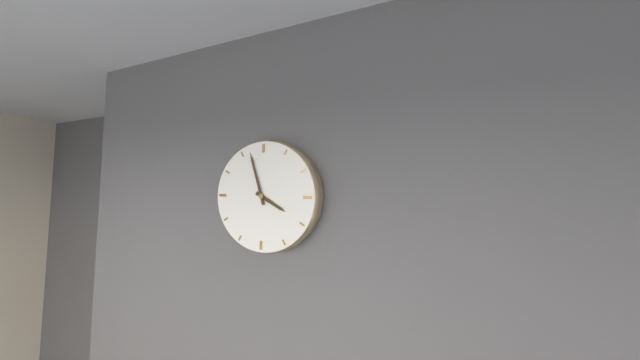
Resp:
3h57
